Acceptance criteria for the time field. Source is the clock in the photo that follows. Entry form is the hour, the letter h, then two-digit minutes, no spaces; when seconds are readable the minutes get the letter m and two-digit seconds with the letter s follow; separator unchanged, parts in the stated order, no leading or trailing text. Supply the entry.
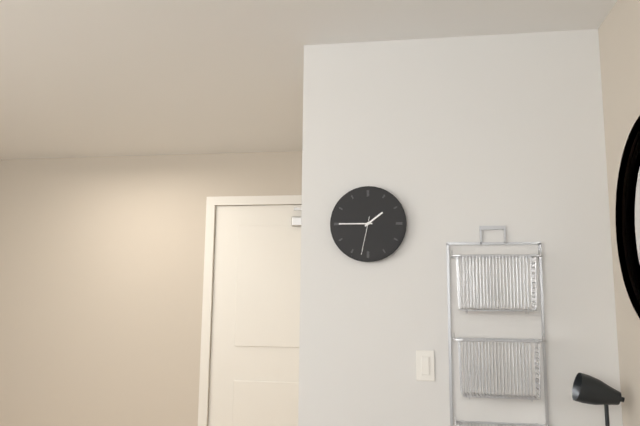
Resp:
1h45
